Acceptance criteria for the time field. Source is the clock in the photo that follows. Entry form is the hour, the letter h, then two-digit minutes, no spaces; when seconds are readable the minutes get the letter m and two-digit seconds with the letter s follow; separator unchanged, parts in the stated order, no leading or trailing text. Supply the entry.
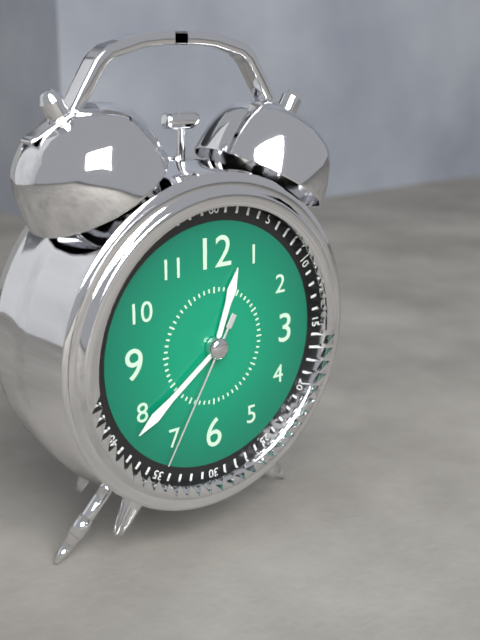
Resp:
12h39m35s
